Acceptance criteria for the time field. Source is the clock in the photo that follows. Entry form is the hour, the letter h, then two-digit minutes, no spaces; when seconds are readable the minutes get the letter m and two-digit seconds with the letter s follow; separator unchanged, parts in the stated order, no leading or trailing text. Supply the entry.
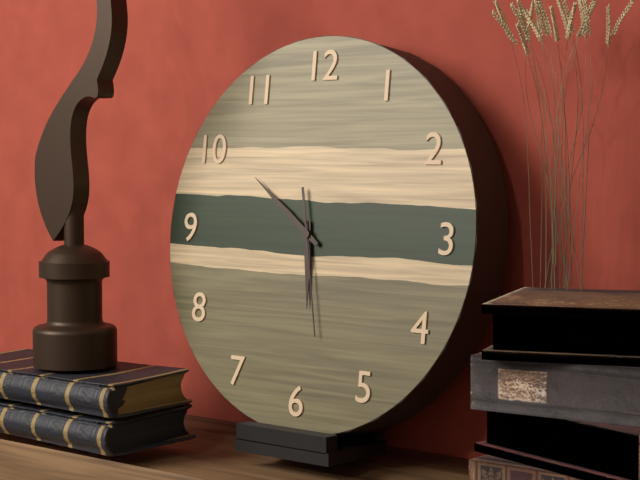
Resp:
5h51m28s
